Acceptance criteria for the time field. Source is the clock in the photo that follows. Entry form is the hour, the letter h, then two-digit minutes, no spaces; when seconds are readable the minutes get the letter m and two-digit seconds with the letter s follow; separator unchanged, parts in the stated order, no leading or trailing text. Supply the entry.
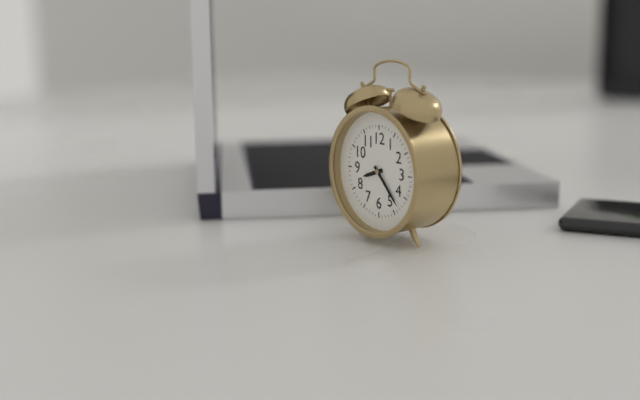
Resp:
8h23
